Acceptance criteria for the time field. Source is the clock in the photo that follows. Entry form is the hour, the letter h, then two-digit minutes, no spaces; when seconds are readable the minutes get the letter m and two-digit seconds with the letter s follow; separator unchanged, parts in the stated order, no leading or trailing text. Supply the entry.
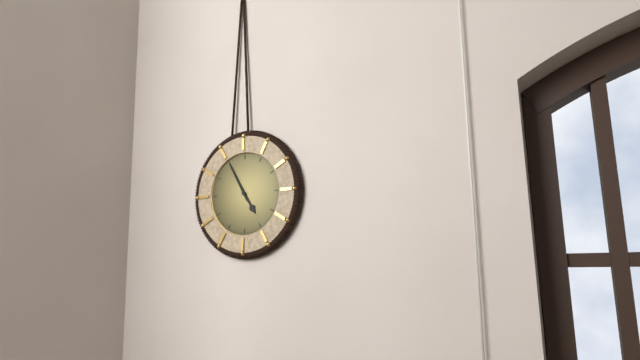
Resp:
4h55
